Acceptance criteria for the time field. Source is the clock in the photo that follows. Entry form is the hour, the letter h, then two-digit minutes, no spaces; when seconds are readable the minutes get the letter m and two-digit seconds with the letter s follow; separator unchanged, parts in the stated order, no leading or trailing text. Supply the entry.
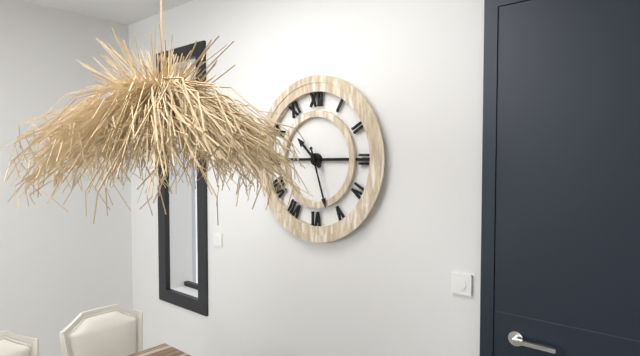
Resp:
10h27
